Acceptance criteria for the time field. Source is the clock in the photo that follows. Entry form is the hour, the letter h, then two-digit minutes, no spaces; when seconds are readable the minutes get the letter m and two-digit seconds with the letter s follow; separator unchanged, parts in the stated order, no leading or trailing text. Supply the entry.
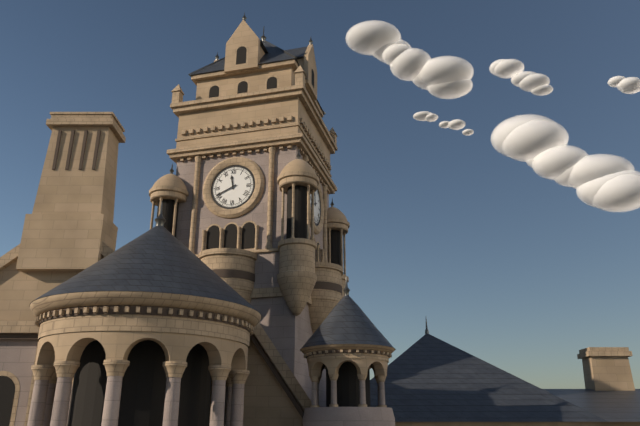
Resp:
11h41
